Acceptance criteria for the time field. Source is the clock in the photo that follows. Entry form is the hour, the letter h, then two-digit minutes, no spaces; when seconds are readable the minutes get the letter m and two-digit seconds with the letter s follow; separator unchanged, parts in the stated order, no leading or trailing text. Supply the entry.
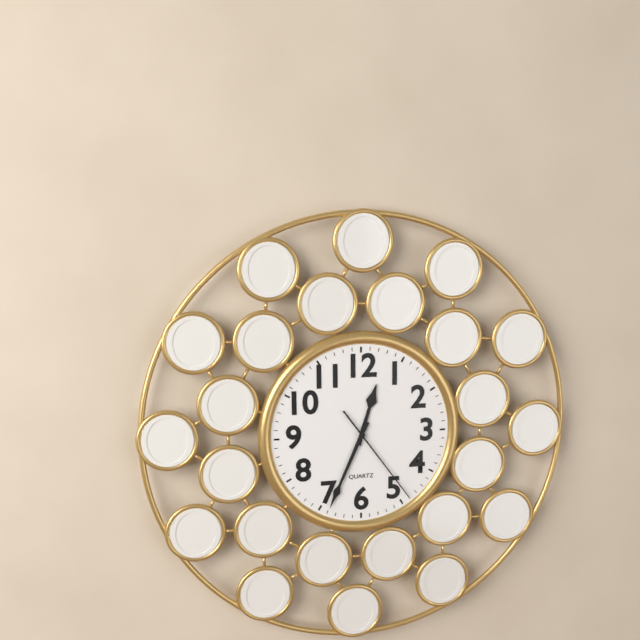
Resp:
12h34m24s
